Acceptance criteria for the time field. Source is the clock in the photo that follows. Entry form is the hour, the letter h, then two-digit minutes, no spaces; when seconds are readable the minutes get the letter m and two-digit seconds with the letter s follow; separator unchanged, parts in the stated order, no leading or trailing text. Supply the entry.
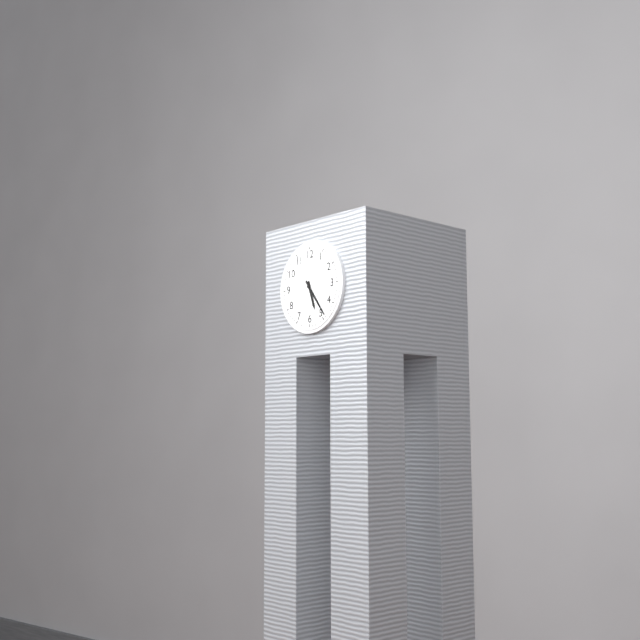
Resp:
5h24
